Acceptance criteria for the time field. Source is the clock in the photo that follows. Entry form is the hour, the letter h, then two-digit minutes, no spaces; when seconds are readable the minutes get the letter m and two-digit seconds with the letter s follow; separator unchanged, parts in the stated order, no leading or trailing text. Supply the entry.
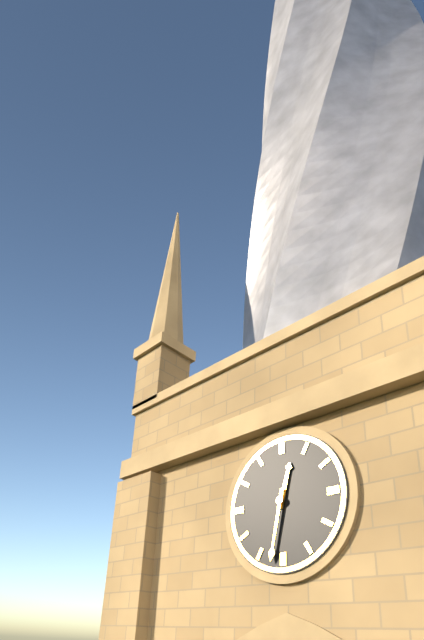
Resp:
12h32
